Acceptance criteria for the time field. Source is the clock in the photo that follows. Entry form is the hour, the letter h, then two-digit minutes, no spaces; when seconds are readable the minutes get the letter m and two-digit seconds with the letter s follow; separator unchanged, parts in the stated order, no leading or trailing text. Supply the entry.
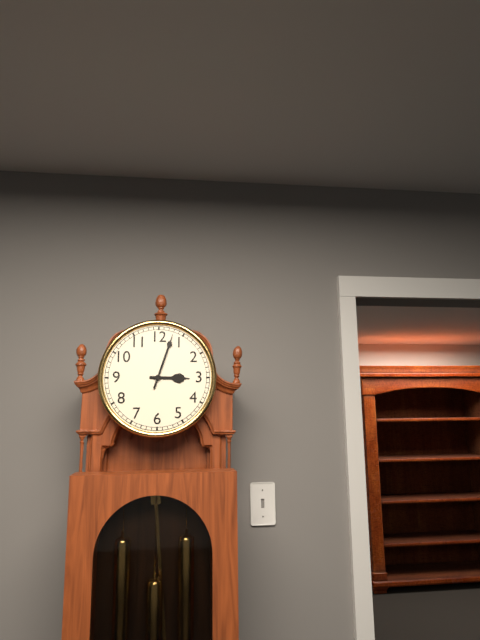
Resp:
3h03
